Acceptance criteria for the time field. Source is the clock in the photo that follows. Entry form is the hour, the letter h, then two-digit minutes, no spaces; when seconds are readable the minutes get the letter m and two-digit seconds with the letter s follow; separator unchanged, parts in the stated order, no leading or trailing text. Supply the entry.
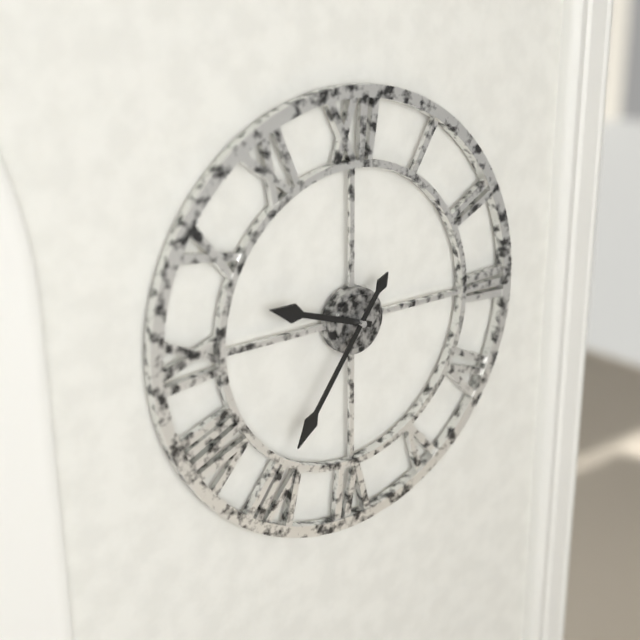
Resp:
9h36
